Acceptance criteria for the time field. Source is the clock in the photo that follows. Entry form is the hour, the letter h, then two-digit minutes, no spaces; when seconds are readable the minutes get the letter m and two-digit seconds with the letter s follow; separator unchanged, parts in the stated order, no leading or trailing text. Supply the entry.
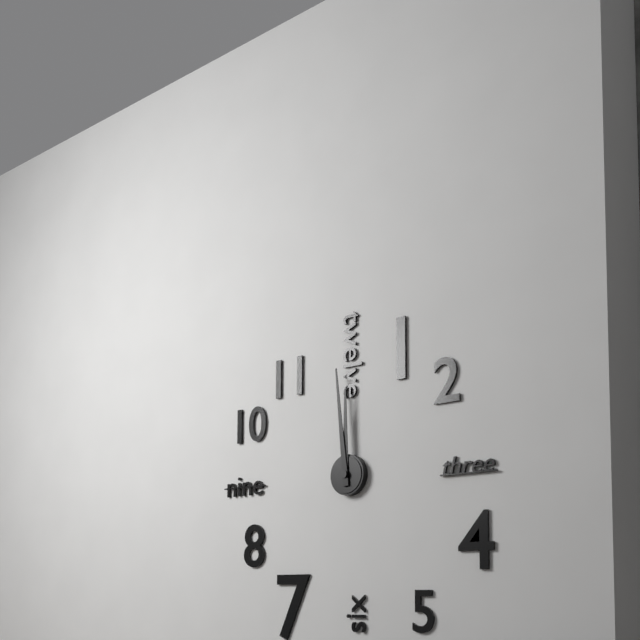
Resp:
11h59
